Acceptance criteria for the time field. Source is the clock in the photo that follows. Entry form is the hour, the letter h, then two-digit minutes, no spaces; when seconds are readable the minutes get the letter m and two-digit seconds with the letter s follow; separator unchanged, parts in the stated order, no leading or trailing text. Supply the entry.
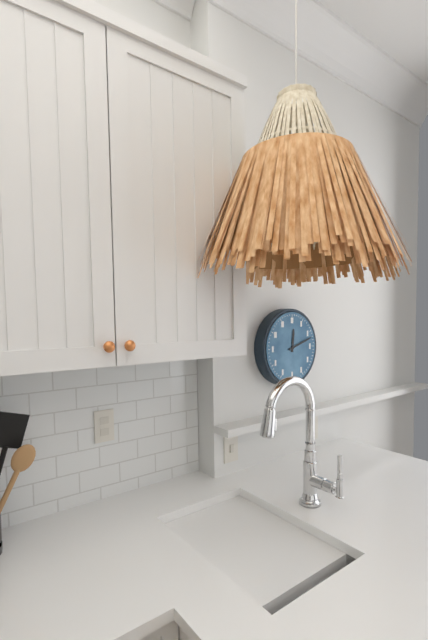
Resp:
12h12
